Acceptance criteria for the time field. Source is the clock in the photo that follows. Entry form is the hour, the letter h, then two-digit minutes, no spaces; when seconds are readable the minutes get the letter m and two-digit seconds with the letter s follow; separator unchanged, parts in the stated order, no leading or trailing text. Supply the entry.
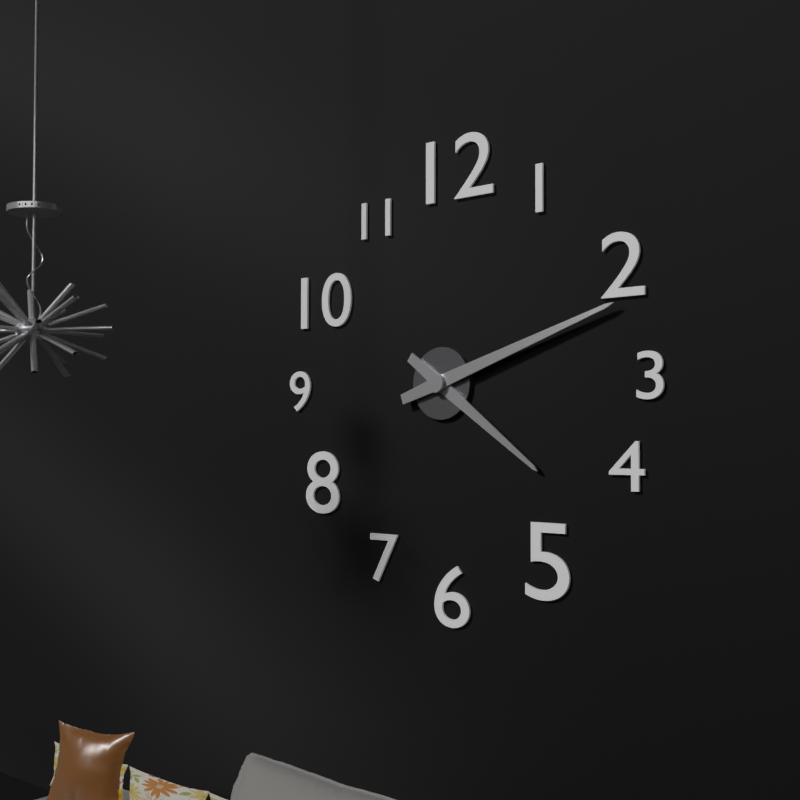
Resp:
4h12
